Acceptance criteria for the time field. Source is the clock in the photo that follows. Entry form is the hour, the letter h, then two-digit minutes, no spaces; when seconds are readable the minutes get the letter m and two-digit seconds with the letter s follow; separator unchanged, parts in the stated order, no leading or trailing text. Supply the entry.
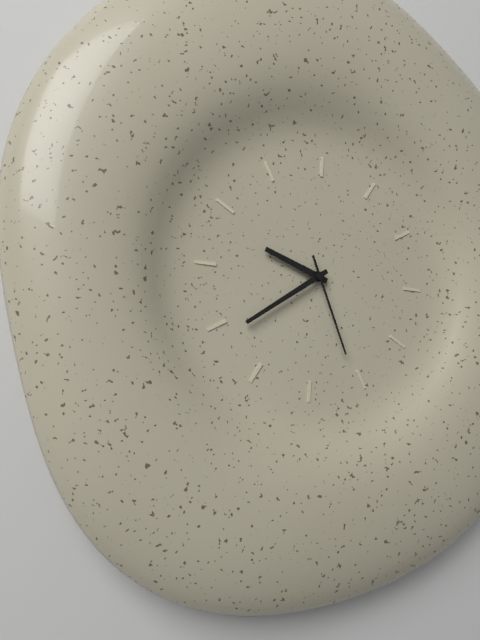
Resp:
9h39m26s
